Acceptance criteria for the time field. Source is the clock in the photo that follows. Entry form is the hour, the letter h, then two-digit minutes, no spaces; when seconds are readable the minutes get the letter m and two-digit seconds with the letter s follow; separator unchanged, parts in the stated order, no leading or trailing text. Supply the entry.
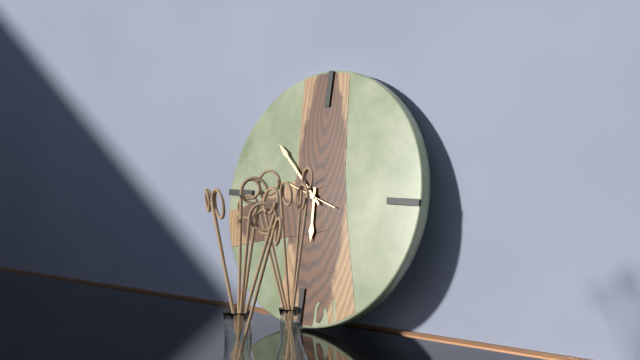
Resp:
5h52m48s
